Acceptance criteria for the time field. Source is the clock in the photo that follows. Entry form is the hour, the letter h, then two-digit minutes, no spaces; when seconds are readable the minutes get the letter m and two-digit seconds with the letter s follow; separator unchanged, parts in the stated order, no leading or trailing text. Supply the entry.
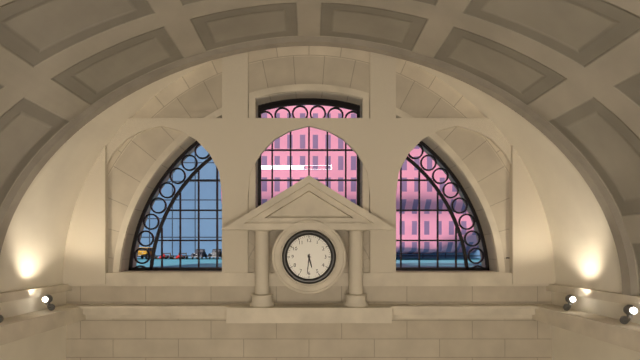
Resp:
5h31
